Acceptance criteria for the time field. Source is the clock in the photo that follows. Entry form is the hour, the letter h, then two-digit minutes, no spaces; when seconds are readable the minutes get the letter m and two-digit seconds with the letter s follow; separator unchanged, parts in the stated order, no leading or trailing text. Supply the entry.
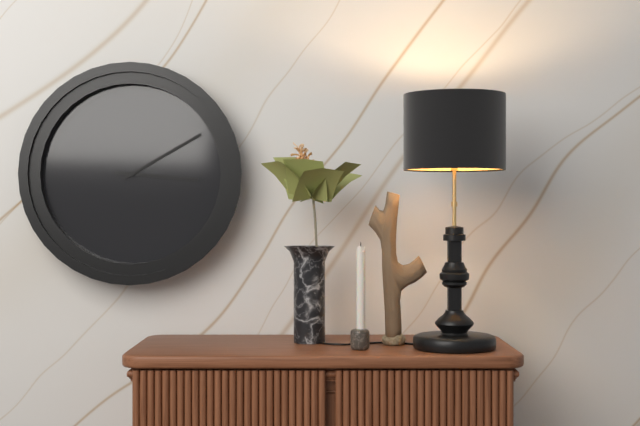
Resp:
3h10
